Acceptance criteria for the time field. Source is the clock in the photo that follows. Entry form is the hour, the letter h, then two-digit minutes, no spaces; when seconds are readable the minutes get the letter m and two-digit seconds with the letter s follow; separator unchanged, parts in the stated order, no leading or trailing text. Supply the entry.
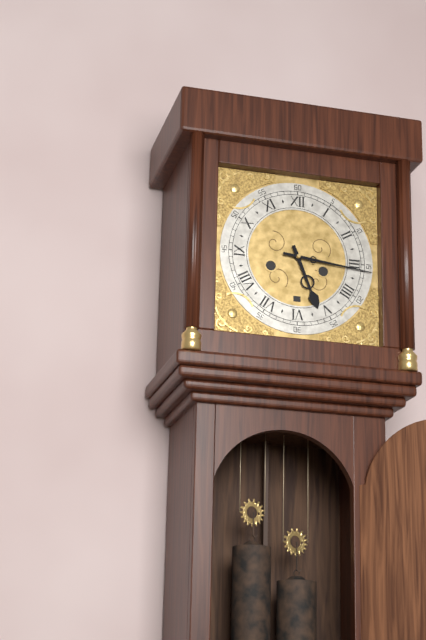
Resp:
5h16
